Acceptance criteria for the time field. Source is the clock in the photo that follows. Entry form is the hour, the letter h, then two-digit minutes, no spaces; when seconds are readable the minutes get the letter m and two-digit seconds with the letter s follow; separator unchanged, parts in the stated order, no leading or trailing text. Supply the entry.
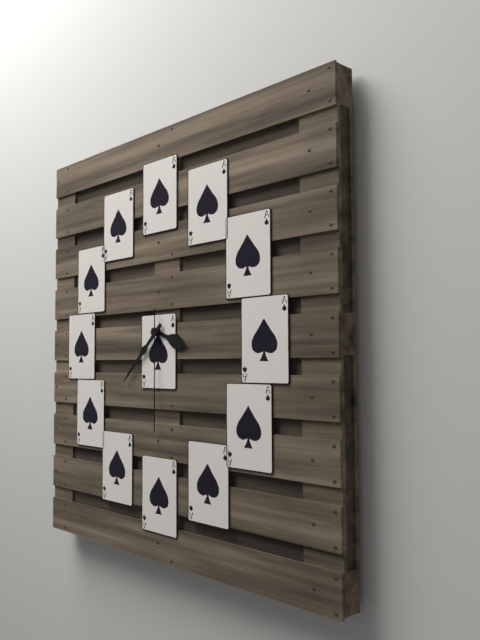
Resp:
3h38m30s
